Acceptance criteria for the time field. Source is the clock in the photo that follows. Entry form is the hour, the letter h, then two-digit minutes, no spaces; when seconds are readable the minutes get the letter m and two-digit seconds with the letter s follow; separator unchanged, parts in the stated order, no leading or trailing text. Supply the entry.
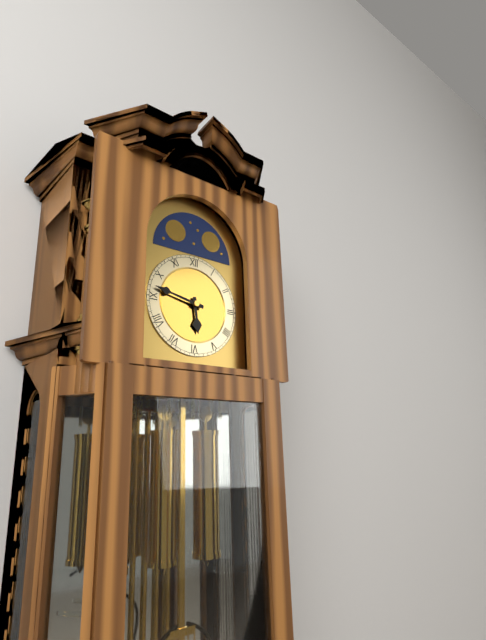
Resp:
5h47
